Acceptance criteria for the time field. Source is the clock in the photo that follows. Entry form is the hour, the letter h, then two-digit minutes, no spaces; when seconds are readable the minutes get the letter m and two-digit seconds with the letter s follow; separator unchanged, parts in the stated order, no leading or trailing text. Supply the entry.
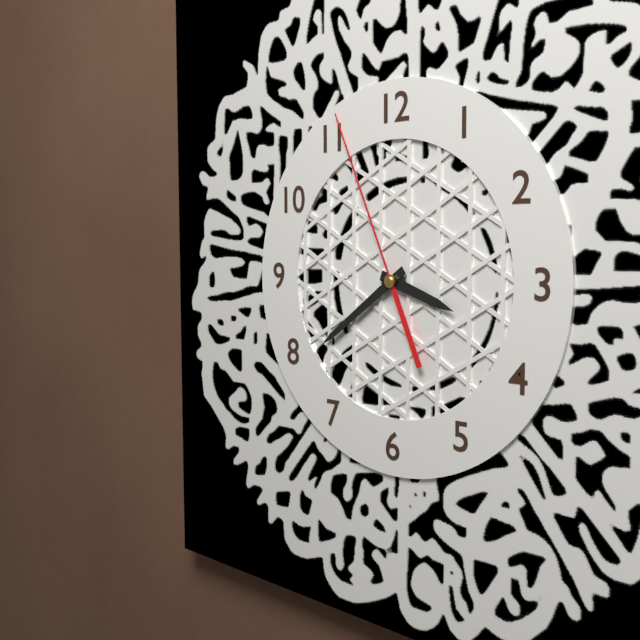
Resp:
3h39m56s
